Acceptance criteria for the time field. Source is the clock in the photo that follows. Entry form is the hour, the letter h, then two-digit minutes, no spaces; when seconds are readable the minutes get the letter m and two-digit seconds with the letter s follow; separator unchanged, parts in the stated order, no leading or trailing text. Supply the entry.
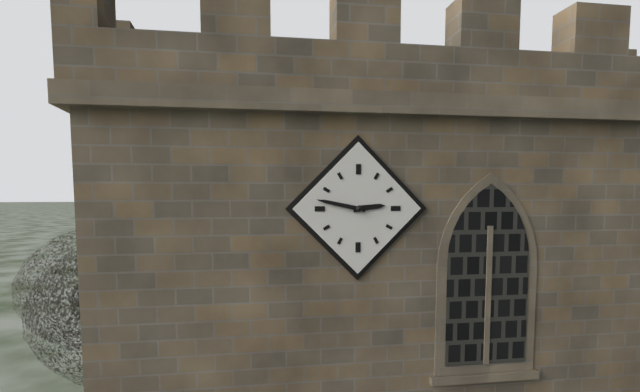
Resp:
2h47
